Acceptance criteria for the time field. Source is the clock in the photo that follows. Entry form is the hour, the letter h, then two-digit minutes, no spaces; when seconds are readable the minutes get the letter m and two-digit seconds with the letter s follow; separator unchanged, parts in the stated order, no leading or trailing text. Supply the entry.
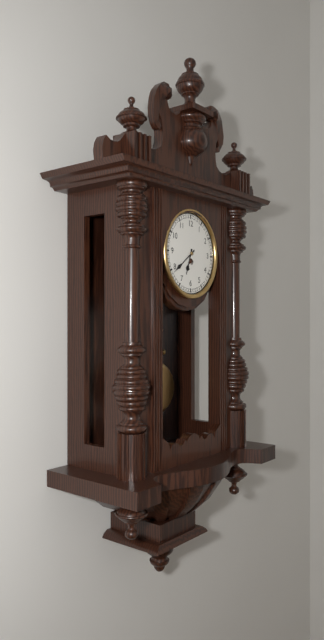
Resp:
6h39
